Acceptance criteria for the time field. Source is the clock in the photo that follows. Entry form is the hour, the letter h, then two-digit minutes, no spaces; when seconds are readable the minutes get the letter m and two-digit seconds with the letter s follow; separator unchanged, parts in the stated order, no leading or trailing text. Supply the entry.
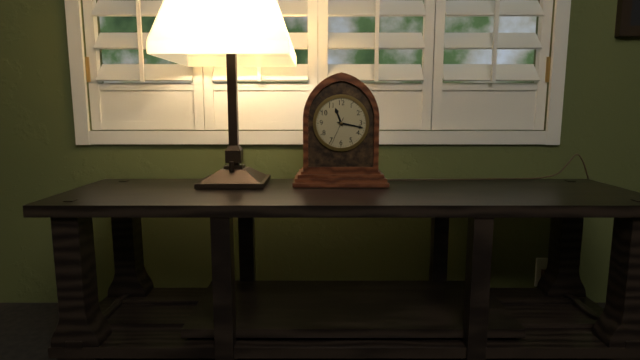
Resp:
11h17
